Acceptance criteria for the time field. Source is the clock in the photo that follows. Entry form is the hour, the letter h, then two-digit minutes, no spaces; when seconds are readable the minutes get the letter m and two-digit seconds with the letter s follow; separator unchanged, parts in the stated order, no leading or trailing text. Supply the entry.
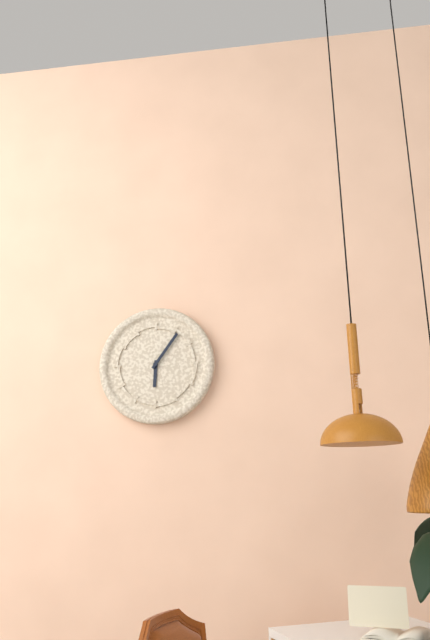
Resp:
6h06
